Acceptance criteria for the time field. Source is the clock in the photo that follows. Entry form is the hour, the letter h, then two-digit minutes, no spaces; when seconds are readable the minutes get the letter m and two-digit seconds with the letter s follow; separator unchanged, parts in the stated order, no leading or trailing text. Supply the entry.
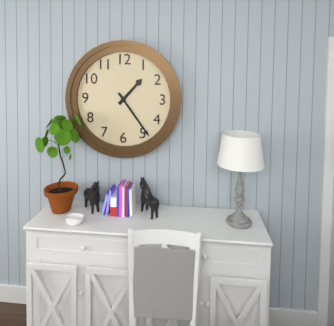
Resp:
1h24
